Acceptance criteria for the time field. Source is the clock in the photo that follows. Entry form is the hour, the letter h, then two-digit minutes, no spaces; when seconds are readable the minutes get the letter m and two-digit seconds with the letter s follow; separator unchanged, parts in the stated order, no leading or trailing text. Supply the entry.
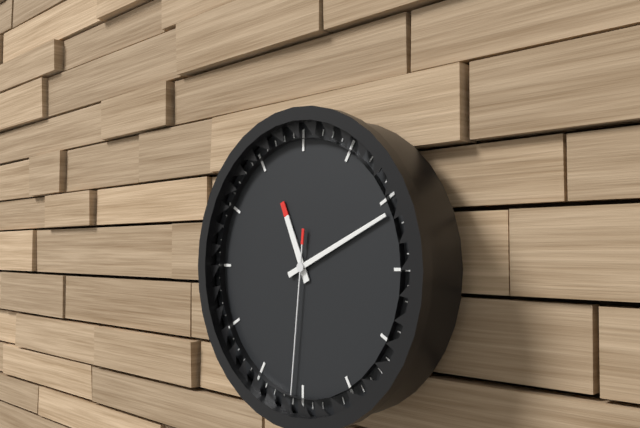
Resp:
11h11m31s
